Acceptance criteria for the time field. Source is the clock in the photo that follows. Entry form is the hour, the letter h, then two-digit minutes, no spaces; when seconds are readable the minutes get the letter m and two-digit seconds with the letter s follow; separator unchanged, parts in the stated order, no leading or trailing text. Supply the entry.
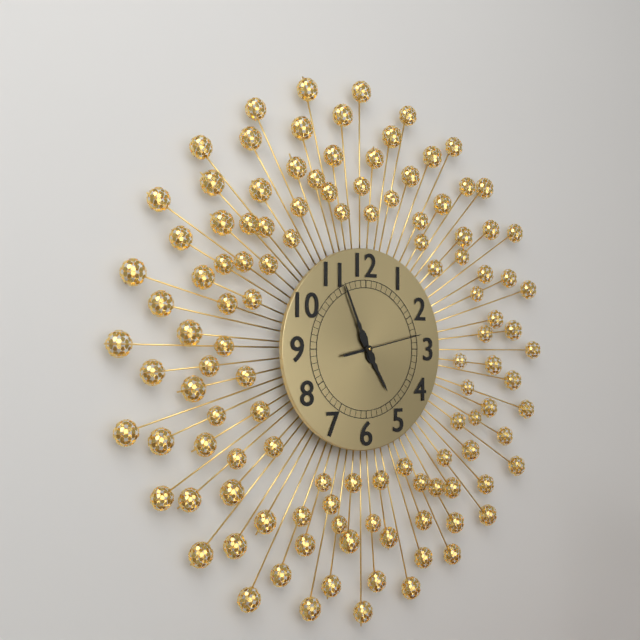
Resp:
4h56m13s
